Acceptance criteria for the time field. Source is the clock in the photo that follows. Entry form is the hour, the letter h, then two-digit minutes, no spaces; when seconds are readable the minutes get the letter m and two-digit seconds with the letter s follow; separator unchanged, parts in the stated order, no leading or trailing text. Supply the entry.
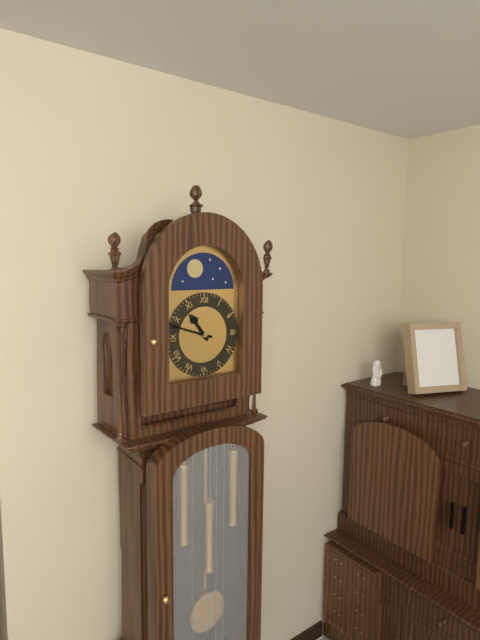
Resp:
10h48
